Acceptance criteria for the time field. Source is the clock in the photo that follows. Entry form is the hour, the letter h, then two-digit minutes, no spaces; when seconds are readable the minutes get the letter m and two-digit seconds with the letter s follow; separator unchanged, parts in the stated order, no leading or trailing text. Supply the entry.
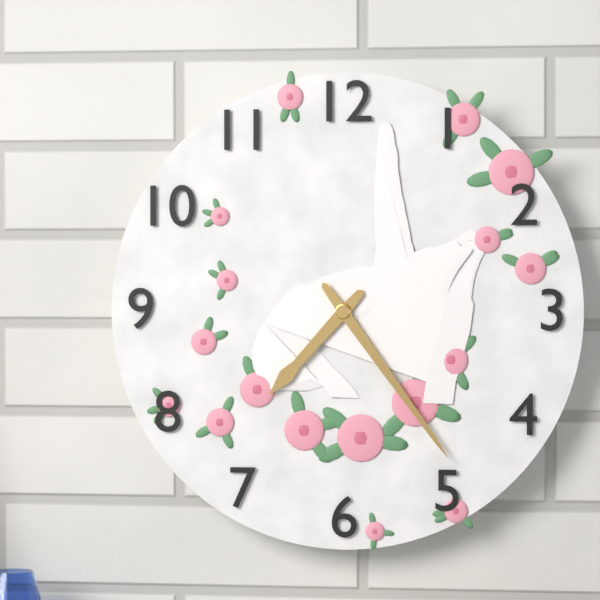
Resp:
7h24
